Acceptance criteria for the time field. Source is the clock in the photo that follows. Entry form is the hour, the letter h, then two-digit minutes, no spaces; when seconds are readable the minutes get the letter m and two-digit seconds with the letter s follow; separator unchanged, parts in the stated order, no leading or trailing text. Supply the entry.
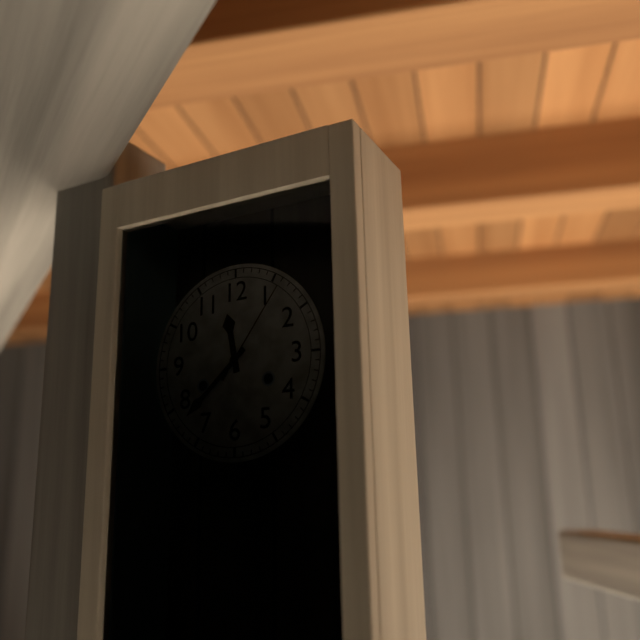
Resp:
11h38m06s
